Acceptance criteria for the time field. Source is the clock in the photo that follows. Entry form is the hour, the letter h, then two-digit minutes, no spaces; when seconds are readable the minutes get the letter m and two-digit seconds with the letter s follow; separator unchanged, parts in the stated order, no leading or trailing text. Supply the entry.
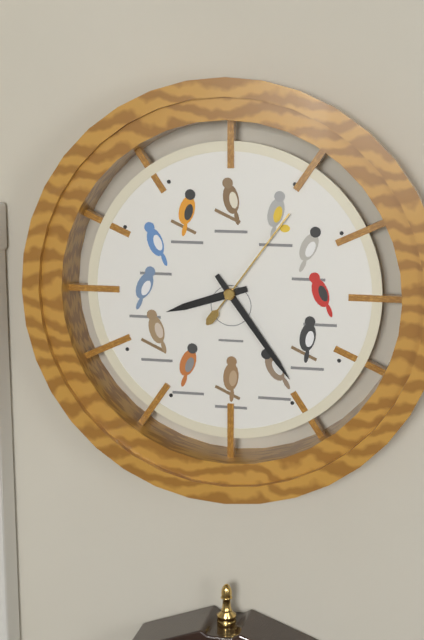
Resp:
8h24m06s
